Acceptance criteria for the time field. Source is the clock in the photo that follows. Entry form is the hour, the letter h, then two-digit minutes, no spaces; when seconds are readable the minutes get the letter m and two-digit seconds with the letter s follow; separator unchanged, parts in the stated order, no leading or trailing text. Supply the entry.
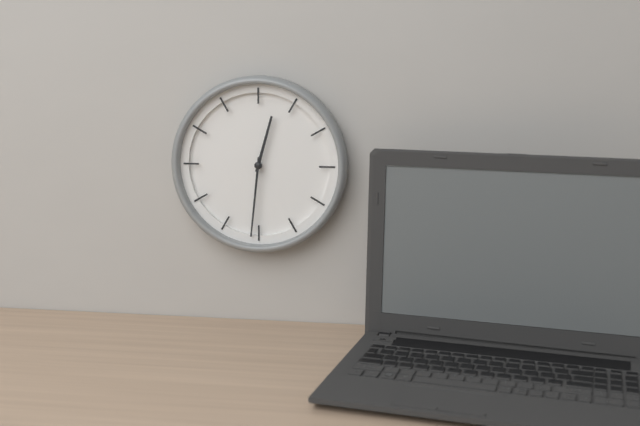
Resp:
12h31
